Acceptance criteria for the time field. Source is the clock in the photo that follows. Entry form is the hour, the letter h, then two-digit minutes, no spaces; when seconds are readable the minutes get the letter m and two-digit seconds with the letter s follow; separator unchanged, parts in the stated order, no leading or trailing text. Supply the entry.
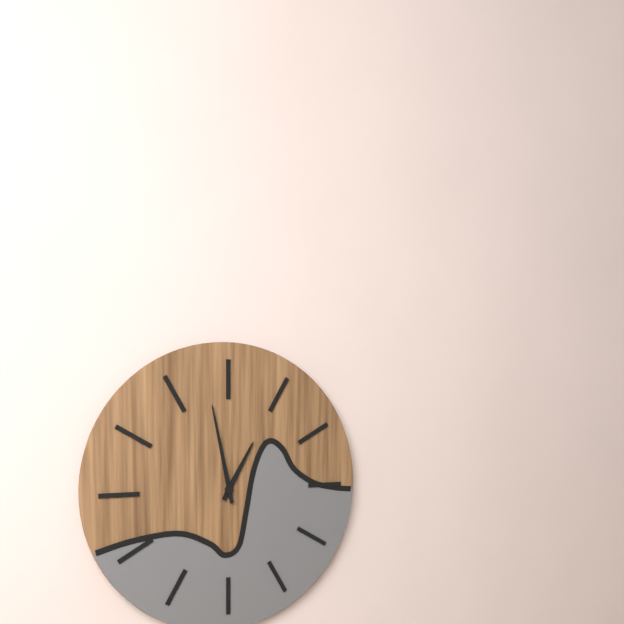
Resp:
12h58
